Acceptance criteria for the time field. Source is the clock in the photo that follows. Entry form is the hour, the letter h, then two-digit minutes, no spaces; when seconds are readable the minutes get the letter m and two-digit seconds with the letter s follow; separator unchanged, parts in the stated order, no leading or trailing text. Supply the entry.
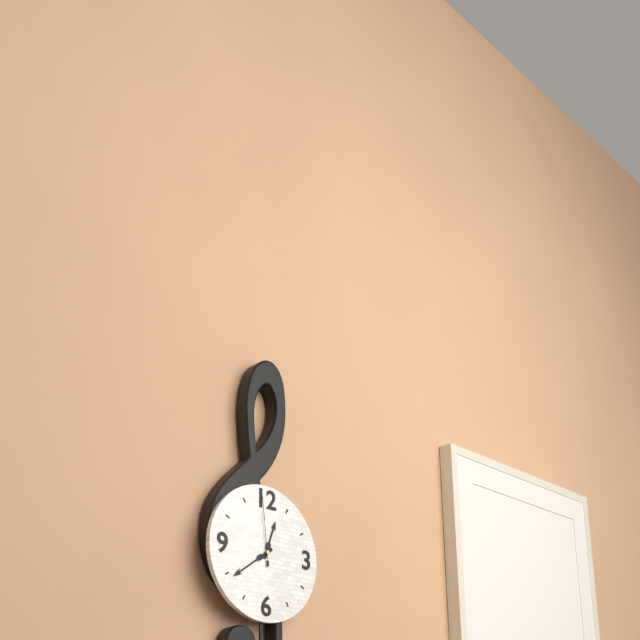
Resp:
12h39m59s
